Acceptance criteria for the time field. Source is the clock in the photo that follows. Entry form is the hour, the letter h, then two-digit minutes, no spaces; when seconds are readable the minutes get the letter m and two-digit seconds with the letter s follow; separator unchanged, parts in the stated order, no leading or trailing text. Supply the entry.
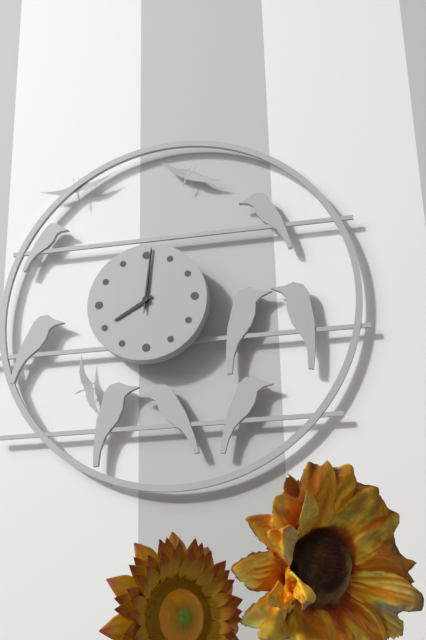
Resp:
8h01m01s
